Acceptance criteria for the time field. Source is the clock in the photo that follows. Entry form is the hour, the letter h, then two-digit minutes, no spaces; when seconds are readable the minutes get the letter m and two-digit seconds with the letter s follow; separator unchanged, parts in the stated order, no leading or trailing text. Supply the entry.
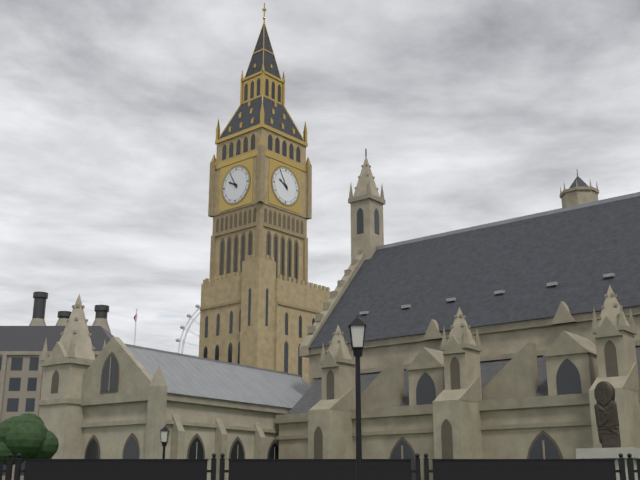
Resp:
9h55
